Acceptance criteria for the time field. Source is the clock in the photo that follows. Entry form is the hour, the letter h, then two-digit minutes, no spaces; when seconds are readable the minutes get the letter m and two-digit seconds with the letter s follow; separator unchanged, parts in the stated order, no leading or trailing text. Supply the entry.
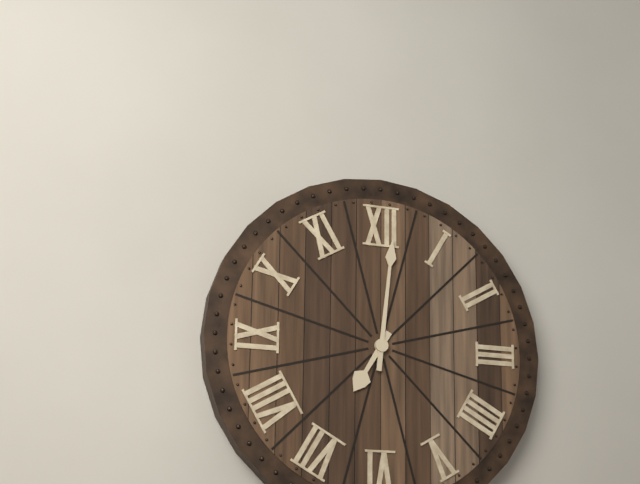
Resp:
7h01
